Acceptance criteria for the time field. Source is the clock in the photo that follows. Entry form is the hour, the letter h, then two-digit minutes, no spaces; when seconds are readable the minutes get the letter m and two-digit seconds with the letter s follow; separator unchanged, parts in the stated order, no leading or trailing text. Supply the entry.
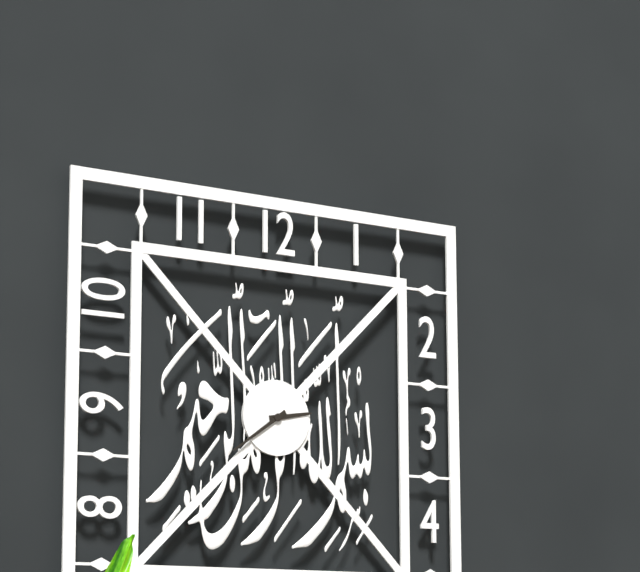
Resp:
2h39
